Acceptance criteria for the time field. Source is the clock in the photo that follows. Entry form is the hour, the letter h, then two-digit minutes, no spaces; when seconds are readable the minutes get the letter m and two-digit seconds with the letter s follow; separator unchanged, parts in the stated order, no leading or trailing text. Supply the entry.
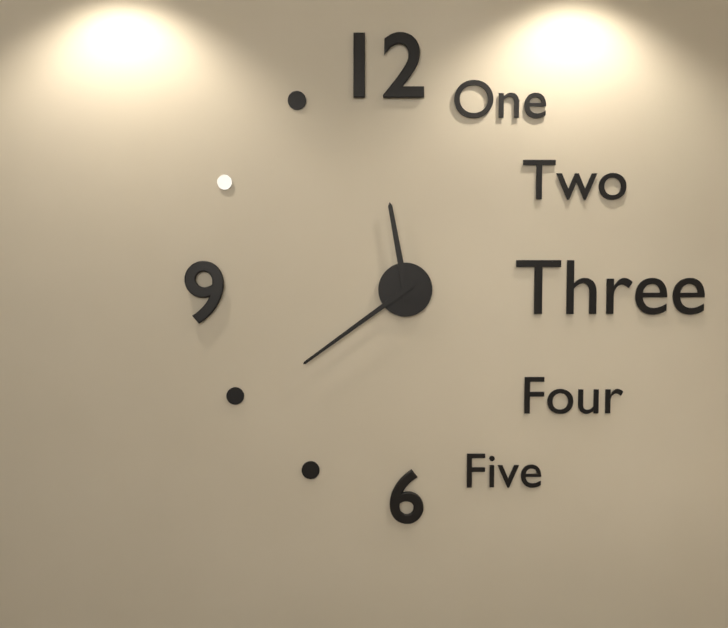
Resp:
11h39
